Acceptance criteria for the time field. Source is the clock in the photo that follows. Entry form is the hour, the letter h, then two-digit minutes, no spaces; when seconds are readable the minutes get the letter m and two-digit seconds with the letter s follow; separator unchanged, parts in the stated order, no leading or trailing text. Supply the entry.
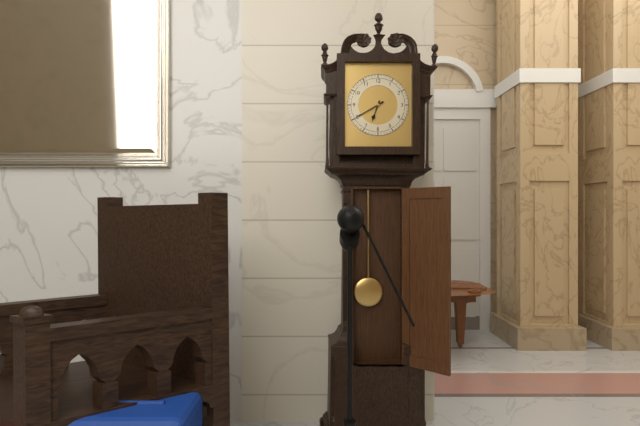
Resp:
6h40
